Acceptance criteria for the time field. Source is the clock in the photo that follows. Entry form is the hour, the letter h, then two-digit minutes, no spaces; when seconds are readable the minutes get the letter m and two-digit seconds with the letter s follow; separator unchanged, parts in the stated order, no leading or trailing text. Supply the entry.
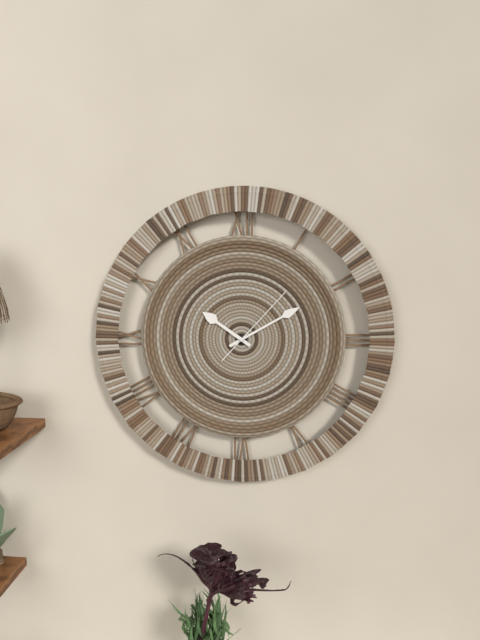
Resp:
10h10m07s
